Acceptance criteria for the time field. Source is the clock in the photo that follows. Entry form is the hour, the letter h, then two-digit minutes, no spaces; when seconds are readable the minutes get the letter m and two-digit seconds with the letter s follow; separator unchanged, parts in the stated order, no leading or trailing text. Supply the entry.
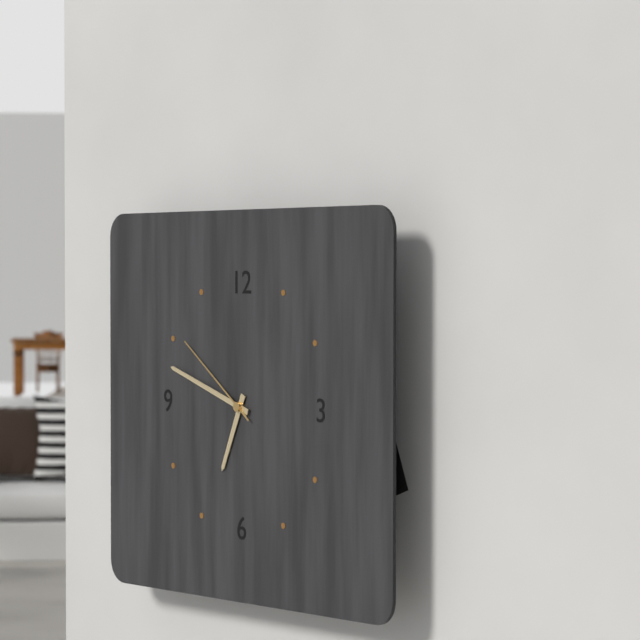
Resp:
6h48m51s
